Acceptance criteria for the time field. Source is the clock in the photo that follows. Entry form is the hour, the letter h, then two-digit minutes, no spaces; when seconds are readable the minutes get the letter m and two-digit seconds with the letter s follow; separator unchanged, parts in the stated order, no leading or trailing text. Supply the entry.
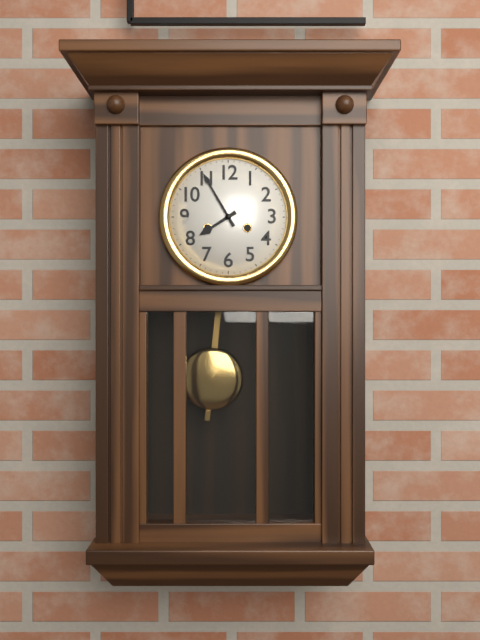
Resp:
7h55
